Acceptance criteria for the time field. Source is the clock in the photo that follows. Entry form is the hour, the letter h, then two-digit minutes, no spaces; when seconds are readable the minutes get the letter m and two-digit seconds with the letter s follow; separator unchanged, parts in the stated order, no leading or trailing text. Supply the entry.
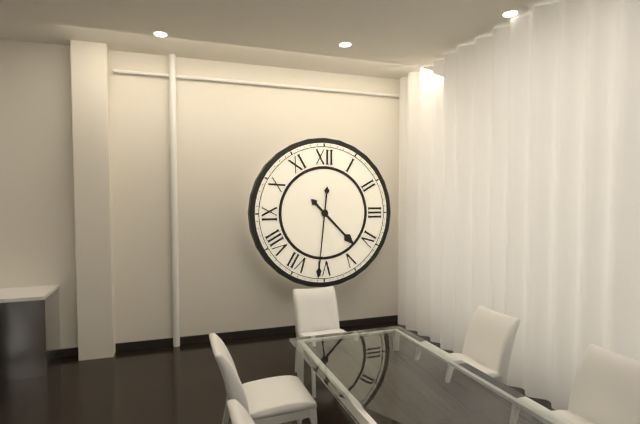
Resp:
4h31
